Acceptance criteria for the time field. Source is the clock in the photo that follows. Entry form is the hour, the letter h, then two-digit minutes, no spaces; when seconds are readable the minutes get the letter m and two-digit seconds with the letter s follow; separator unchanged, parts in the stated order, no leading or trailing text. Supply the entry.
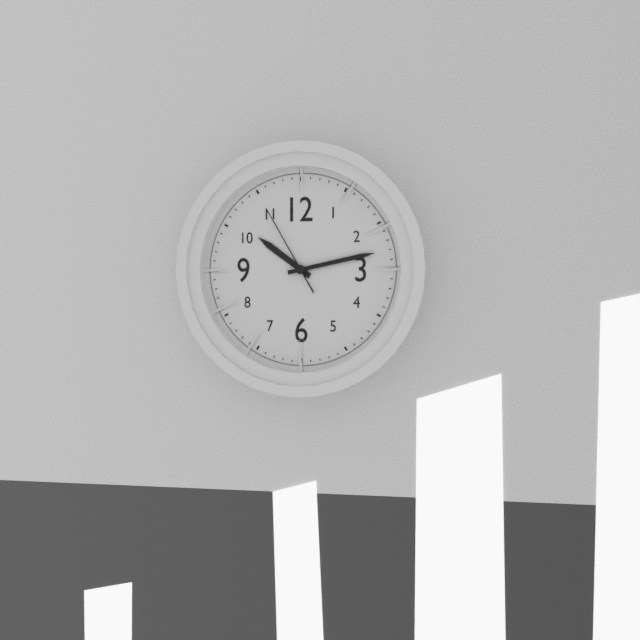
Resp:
10h13m55s
